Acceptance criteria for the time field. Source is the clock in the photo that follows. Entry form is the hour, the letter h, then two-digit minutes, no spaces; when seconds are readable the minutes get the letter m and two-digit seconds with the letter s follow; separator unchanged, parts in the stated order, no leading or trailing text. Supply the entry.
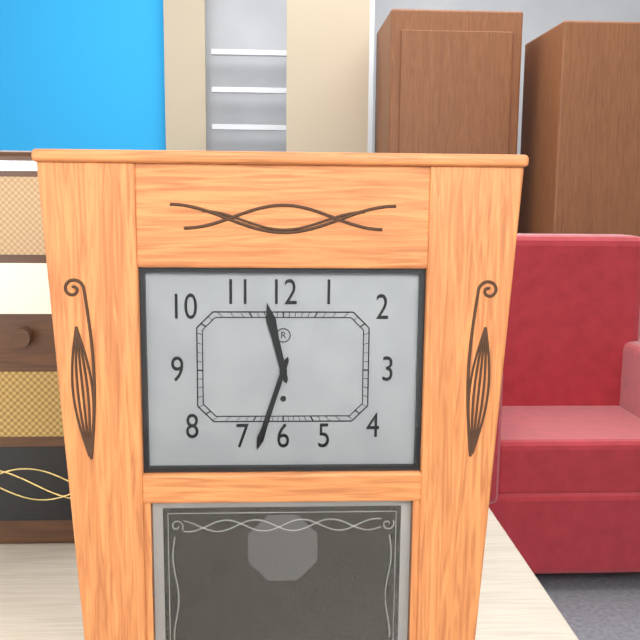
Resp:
11h33
